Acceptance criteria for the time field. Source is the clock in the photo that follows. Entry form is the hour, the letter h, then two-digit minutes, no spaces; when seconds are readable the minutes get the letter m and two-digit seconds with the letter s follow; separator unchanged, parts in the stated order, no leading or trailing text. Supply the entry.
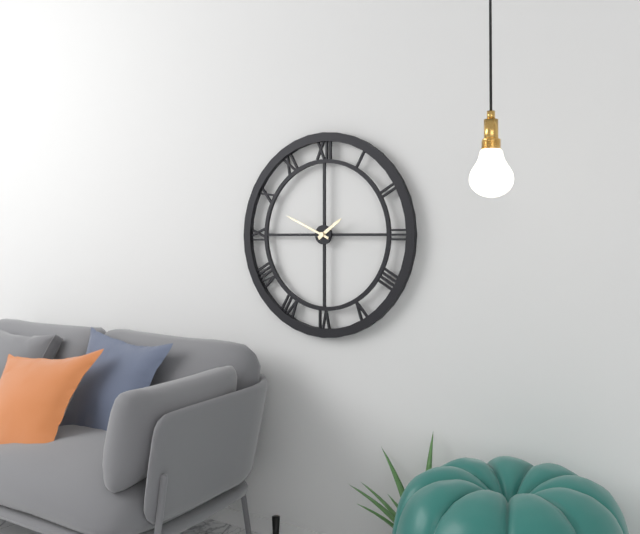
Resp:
1h49
